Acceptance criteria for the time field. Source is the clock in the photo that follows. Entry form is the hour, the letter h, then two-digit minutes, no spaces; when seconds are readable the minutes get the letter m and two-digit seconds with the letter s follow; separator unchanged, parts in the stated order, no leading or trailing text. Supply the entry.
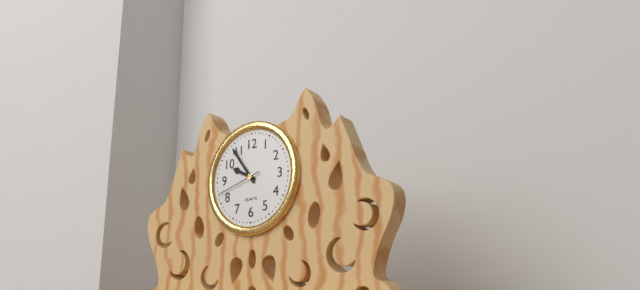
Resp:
9h54m42s
